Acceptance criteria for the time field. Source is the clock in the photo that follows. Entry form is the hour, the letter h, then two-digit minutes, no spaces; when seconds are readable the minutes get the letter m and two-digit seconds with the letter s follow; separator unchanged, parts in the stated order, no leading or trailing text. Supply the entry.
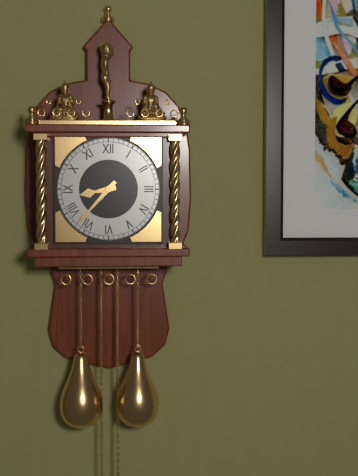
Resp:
8h37
